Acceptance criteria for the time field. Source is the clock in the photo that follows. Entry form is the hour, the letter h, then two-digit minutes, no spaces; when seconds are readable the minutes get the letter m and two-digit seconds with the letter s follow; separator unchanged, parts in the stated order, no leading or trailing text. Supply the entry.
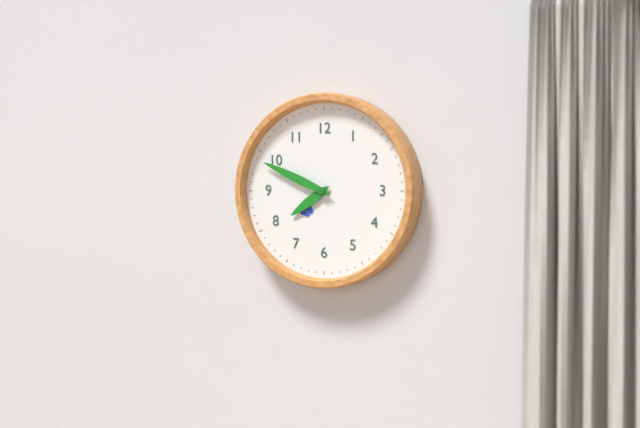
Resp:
7h49
